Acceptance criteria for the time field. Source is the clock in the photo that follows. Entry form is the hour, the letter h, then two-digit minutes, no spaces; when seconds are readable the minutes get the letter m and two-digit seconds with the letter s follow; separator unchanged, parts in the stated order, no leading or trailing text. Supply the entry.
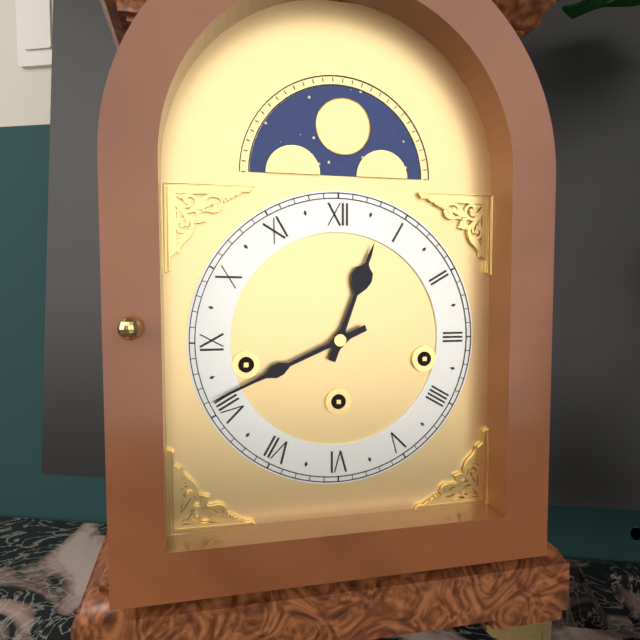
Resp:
12h41
